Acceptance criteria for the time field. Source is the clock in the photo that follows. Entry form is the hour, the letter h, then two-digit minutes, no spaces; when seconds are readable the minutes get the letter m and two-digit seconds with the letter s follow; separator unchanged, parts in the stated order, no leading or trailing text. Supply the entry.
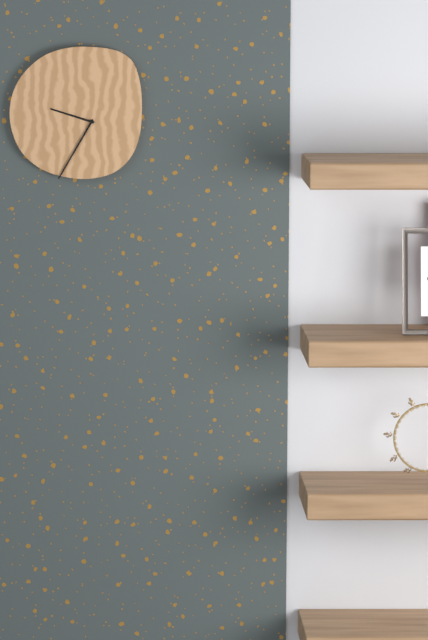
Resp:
9h35
